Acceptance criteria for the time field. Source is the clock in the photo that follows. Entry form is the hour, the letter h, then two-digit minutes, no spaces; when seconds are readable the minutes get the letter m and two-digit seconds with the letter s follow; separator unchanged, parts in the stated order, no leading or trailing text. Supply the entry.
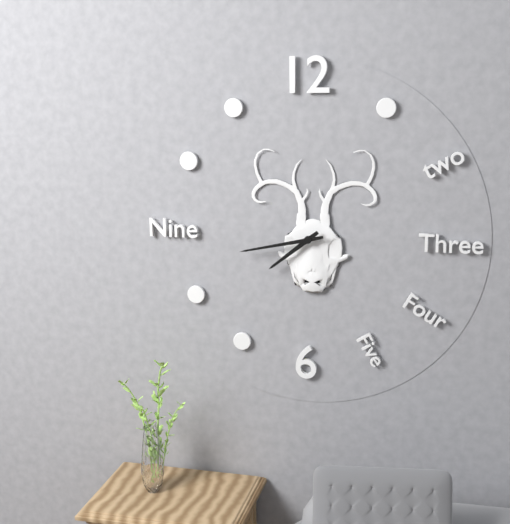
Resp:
7h43
